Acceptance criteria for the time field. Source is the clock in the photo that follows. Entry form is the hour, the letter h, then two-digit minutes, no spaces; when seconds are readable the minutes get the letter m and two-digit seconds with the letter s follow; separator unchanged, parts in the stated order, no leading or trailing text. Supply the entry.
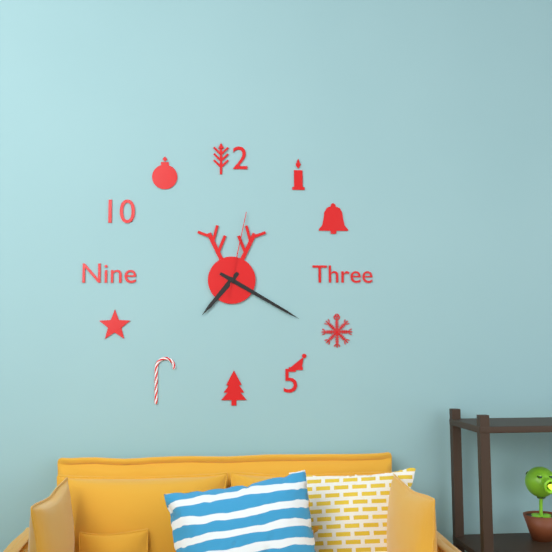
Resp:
7h20m02s
